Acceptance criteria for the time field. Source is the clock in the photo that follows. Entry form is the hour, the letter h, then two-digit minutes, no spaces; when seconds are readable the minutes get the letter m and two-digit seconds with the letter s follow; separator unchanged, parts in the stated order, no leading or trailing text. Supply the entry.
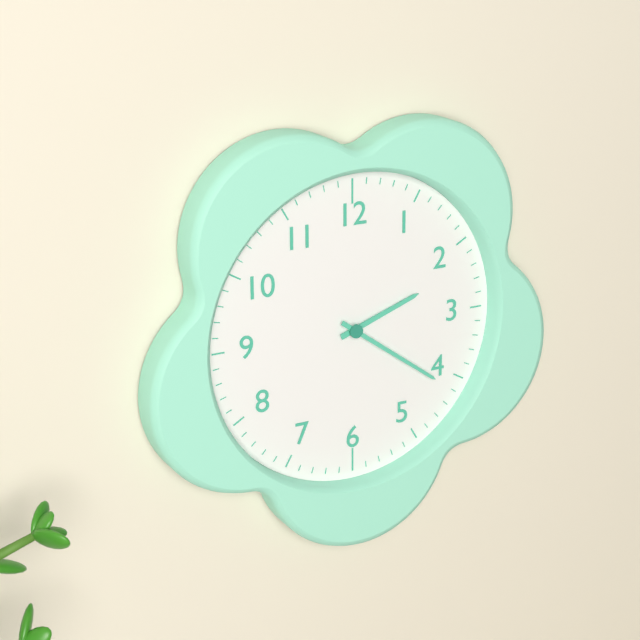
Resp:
2h21
